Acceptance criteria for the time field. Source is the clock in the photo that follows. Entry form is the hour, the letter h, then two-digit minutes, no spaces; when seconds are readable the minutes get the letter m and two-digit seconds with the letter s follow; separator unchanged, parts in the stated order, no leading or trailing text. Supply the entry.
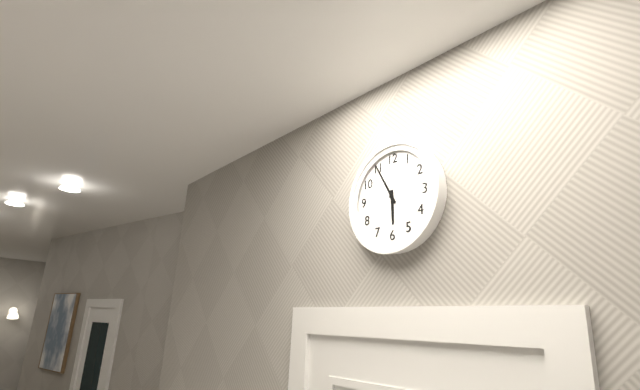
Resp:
5h55
